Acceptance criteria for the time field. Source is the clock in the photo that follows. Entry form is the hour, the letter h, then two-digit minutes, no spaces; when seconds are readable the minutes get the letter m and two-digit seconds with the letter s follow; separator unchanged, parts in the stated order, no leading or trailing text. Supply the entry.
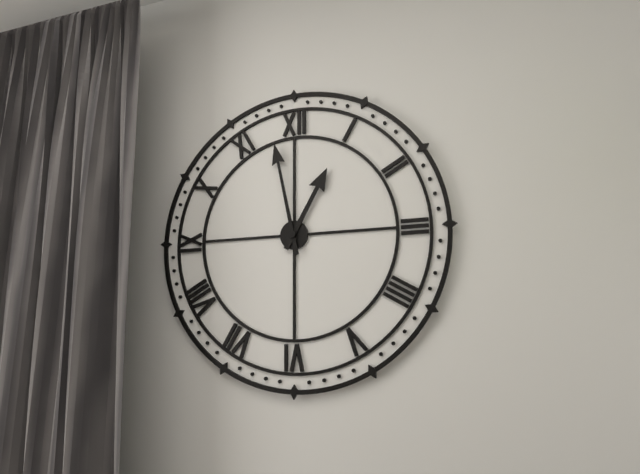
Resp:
12h58
